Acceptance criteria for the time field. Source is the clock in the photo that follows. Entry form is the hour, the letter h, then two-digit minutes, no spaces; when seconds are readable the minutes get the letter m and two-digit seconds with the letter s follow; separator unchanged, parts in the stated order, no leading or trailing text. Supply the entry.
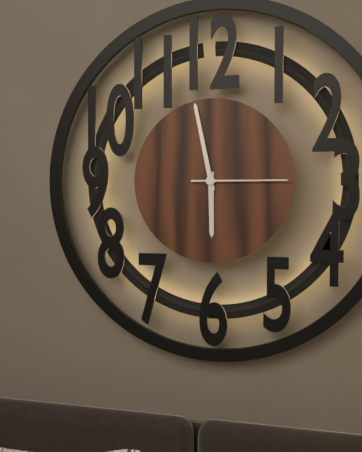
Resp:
5h58m15s
